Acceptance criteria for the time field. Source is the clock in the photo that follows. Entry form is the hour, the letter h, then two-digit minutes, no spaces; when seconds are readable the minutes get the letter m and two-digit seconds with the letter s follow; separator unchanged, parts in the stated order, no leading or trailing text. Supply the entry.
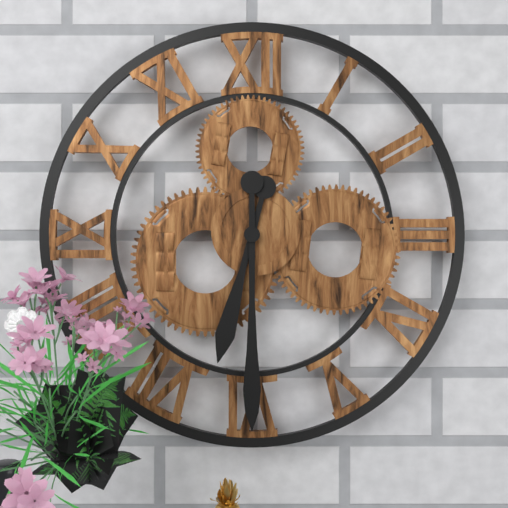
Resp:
6h30
